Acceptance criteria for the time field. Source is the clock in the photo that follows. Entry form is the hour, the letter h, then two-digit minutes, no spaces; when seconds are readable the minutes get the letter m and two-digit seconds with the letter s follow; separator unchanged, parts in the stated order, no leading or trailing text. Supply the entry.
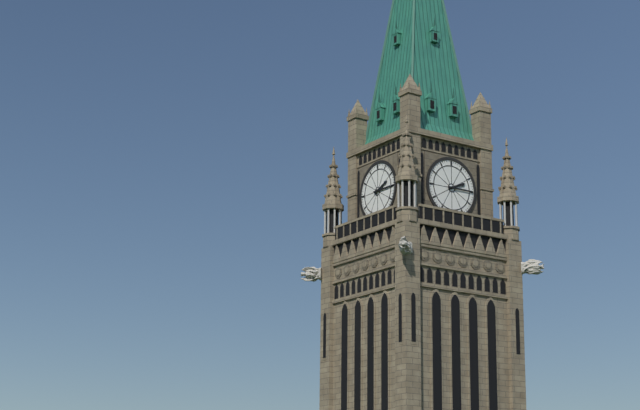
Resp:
2h15
